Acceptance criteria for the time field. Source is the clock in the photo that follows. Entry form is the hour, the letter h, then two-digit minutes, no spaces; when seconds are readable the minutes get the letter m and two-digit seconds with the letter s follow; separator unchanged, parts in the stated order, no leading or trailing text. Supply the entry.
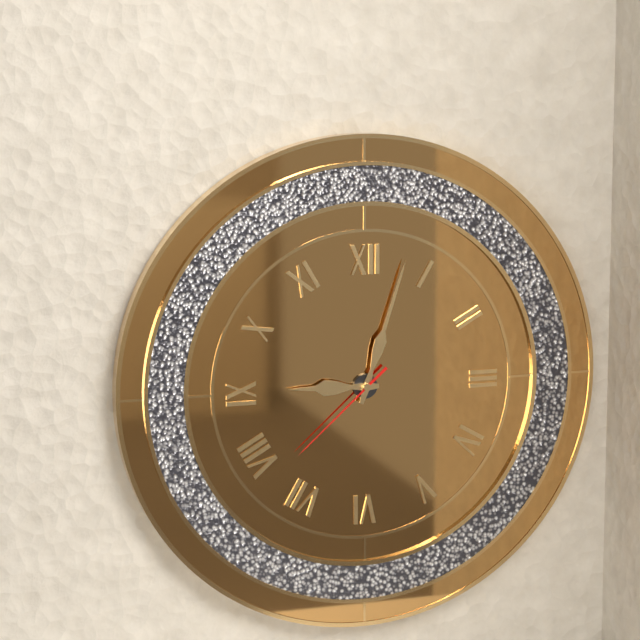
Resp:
9h03m38s
